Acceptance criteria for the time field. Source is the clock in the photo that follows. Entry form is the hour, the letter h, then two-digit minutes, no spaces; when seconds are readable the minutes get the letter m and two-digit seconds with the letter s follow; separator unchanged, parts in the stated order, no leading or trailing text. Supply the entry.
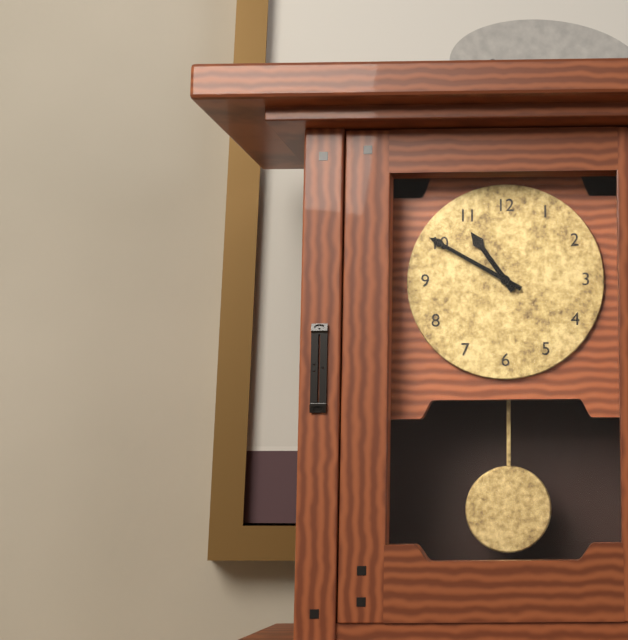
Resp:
10h50
